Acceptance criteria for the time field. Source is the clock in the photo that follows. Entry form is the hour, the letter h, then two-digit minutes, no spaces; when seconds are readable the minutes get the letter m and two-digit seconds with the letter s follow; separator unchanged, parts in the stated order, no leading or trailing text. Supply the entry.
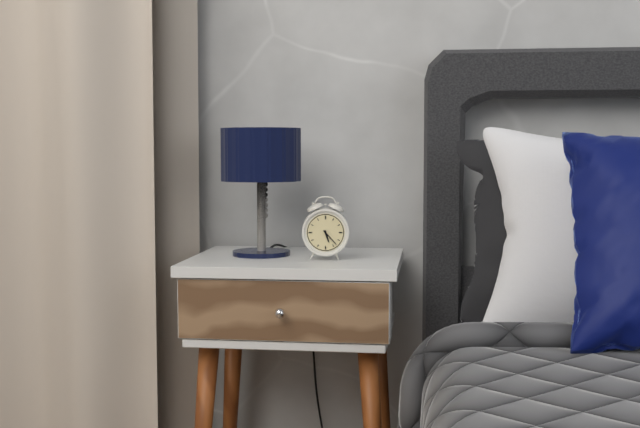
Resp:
5h23
